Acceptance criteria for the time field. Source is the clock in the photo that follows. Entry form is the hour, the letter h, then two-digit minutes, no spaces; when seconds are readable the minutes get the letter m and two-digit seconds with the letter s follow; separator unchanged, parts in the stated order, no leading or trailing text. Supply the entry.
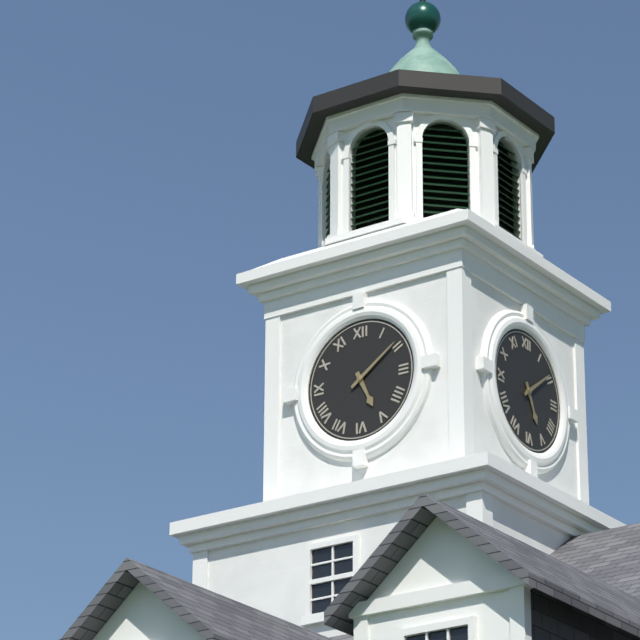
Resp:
5h09
